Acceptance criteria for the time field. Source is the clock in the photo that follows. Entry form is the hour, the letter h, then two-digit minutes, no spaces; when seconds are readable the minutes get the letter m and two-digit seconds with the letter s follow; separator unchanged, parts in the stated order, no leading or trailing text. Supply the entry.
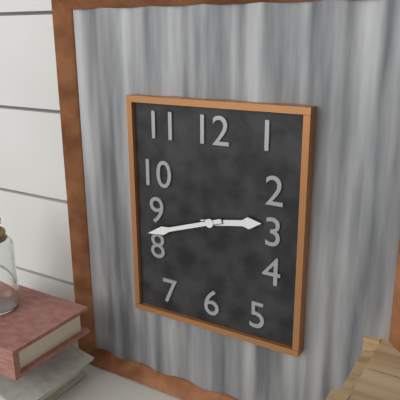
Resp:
2h42
